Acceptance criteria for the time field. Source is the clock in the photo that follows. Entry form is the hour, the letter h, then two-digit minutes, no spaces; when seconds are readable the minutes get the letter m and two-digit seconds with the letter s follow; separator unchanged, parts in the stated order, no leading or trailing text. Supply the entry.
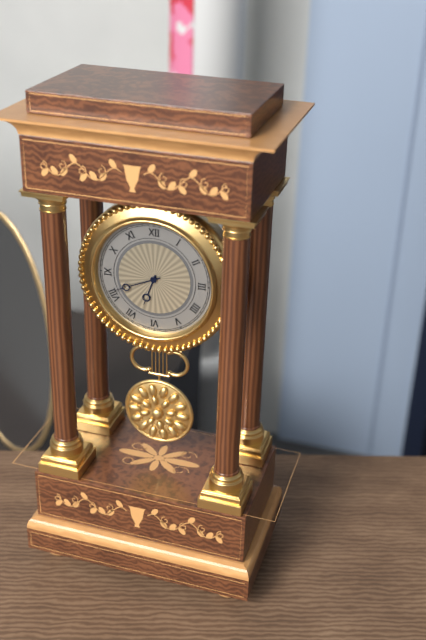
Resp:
6h41
